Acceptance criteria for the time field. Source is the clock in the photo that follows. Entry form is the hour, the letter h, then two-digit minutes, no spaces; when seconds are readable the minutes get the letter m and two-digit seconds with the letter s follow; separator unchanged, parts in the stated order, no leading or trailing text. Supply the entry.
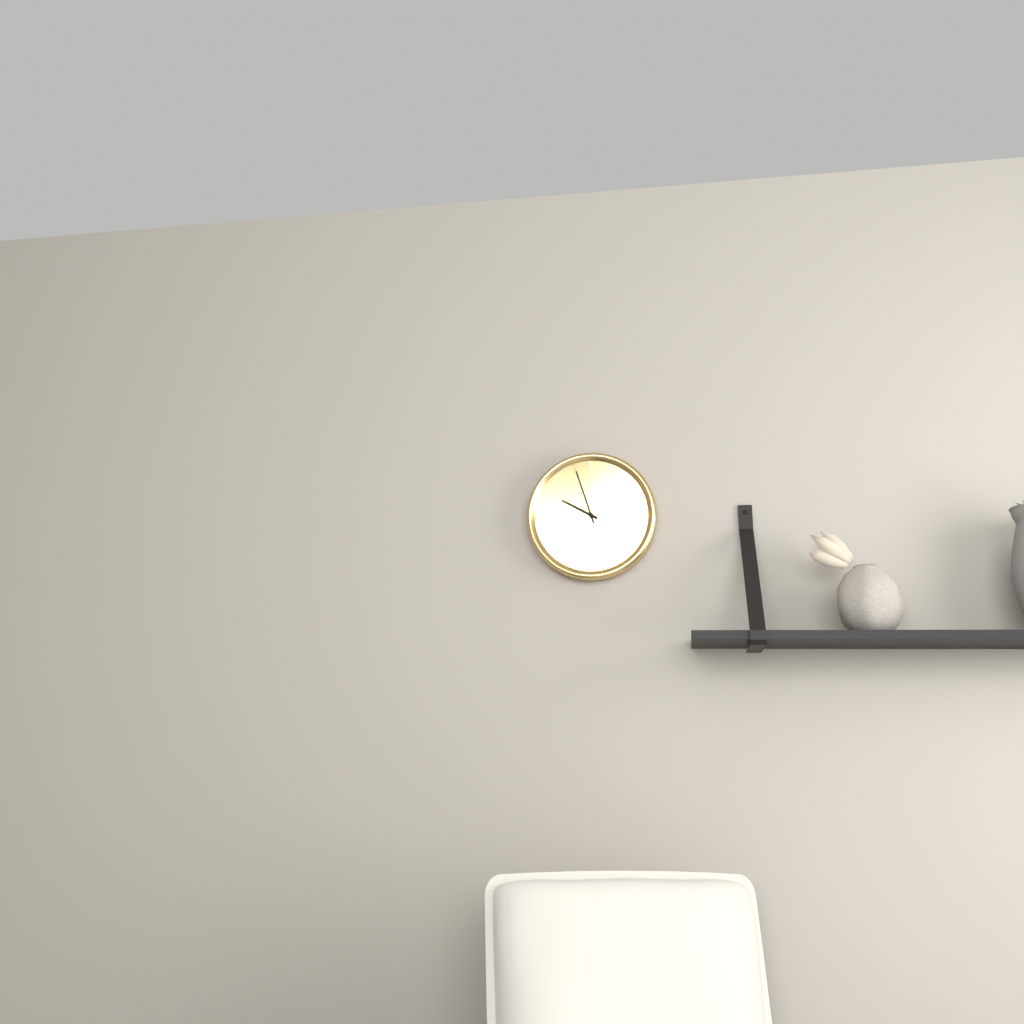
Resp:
9h57
